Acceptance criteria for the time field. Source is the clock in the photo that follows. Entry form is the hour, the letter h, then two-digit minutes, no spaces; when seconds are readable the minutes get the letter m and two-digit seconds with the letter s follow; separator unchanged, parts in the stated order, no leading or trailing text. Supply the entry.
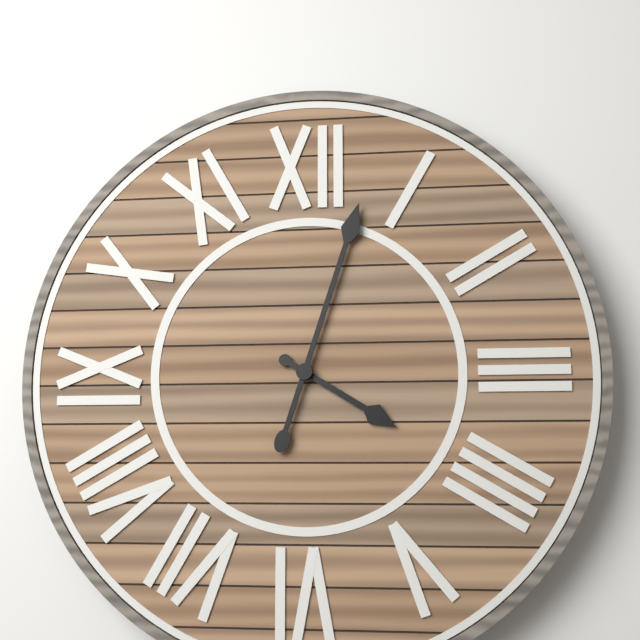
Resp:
4h03
